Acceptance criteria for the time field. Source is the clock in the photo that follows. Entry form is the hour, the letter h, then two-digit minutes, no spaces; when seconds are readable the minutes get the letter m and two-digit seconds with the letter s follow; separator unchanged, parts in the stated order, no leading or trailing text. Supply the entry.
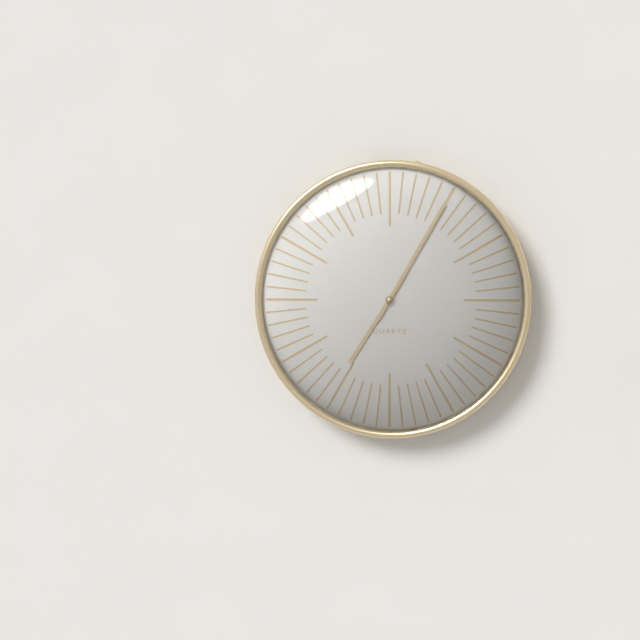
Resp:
7h05
